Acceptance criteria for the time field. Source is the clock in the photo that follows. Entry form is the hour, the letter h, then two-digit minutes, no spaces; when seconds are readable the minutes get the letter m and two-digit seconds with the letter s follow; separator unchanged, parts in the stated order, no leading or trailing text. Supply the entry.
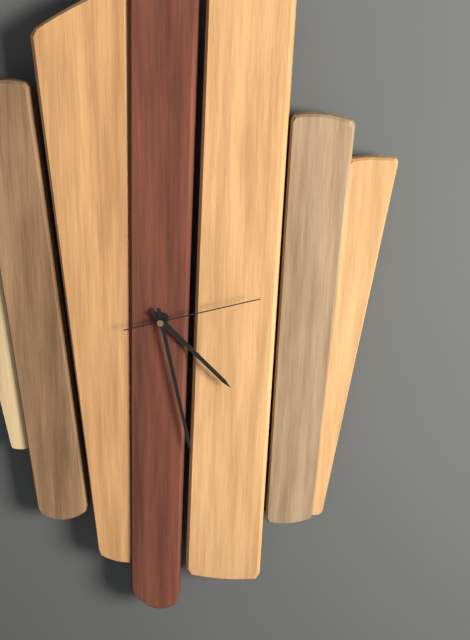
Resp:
4h28m12s
